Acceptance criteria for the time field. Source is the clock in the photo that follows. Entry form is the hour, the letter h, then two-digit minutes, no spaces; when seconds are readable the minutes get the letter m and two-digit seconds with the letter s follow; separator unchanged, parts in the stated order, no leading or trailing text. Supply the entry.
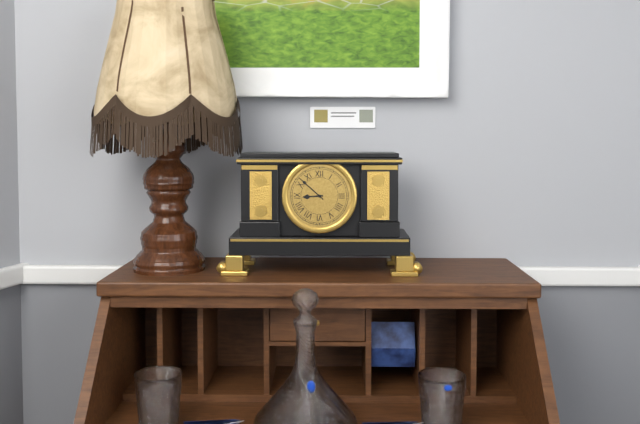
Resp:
8h52
